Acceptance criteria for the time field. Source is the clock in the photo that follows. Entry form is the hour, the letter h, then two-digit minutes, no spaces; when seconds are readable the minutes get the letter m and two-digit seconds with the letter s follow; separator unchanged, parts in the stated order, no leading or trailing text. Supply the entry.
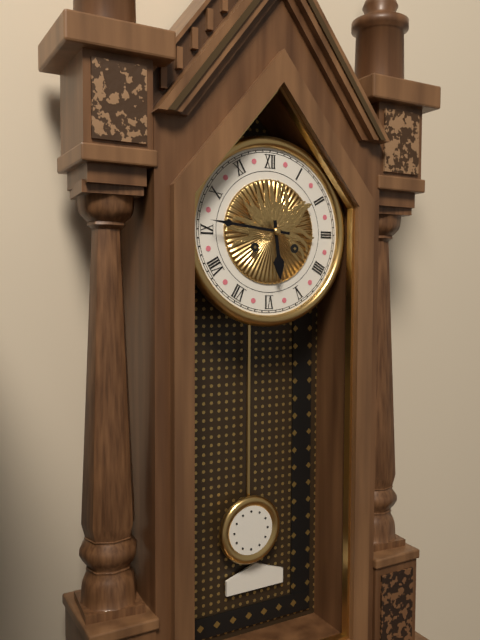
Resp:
5h46
